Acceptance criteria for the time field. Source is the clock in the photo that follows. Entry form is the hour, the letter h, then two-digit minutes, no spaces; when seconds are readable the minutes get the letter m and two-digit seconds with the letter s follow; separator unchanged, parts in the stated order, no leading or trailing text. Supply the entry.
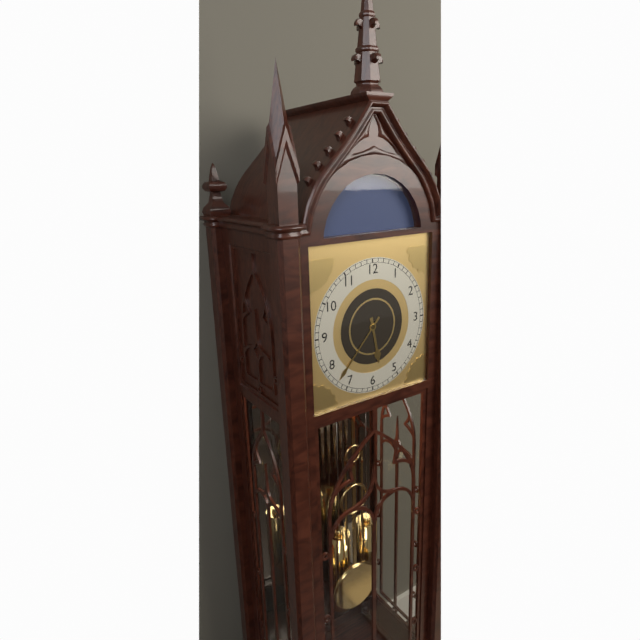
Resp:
5h37
